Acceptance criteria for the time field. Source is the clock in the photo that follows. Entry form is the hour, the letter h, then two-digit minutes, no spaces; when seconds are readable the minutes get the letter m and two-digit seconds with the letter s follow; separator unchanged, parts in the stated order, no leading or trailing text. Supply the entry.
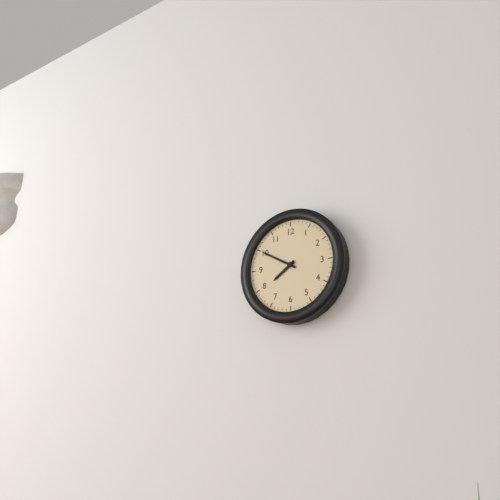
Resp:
7h50
